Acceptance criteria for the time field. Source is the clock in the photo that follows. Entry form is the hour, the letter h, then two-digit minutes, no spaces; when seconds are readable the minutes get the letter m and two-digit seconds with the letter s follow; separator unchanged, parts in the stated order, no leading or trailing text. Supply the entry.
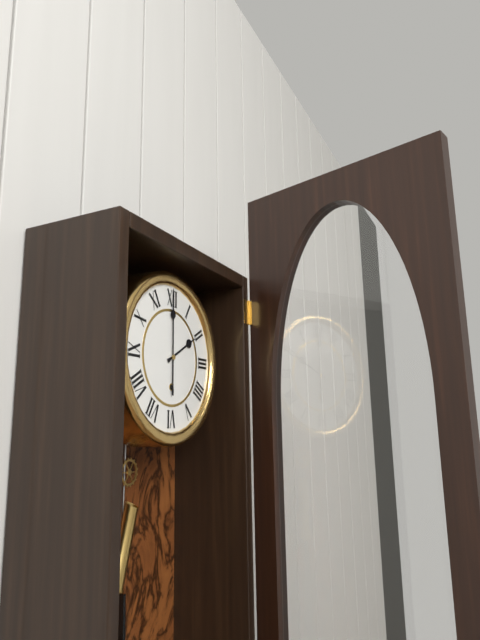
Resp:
2h00
